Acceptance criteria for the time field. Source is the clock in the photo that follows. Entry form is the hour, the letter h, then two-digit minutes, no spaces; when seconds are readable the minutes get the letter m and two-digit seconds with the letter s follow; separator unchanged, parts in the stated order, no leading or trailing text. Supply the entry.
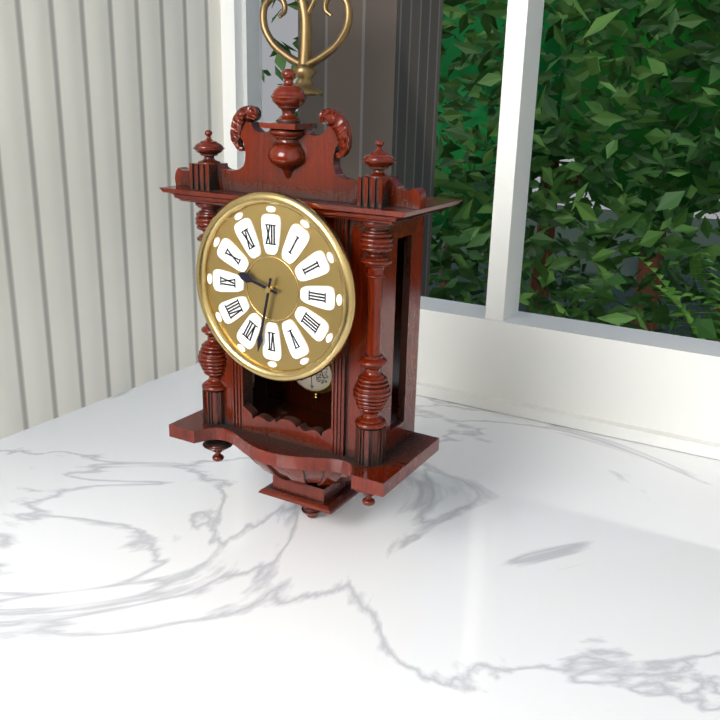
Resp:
9h32
